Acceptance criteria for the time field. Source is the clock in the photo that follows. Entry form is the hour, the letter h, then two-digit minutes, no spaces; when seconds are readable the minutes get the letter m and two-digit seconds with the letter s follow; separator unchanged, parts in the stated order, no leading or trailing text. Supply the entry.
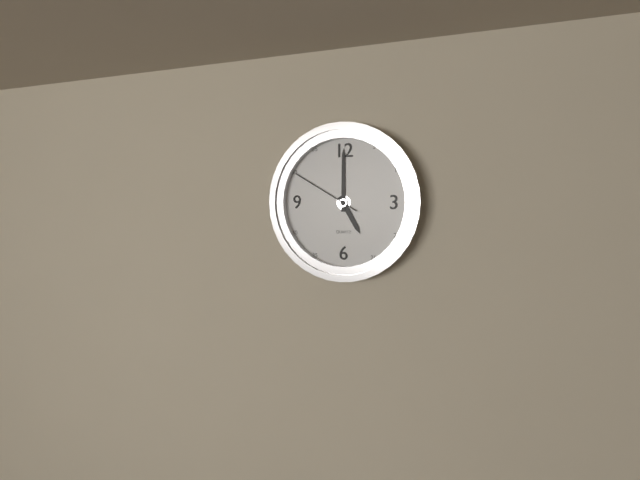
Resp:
5h00m50s
